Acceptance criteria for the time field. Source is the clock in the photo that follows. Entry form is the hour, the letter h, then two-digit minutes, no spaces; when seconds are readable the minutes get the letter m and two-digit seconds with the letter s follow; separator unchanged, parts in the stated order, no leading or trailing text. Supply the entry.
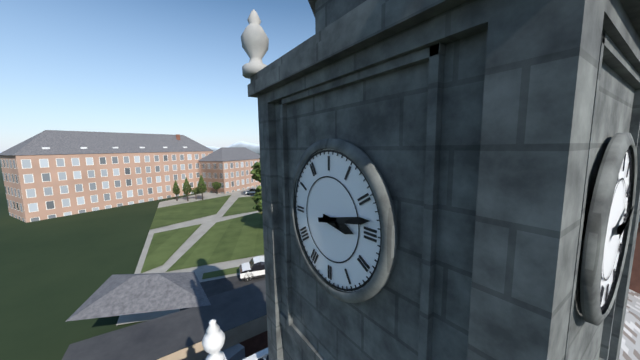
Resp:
3h13
